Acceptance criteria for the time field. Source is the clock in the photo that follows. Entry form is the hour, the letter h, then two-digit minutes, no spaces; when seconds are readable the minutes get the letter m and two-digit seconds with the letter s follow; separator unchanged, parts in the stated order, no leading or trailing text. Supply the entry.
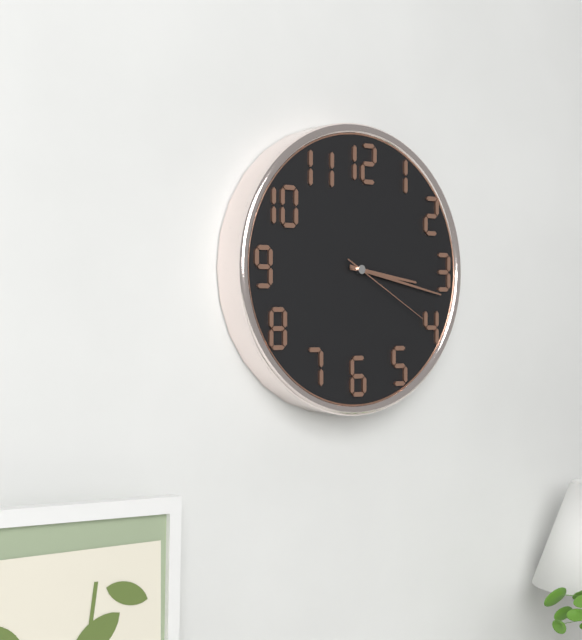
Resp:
3h17m20s
